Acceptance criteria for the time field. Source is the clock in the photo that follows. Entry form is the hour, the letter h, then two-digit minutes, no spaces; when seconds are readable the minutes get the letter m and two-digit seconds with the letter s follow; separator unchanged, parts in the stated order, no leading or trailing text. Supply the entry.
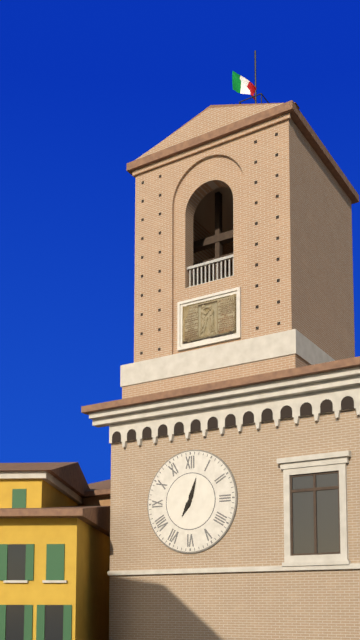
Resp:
7h03
